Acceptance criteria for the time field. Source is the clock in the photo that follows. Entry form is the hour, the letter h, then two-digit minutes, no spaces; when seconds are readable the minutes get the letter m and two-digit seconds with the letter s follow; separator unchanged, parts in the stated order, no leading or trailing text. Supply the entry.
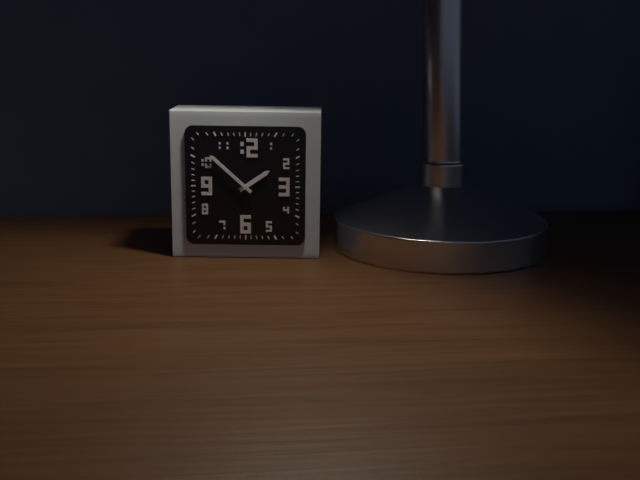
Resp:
1h52
